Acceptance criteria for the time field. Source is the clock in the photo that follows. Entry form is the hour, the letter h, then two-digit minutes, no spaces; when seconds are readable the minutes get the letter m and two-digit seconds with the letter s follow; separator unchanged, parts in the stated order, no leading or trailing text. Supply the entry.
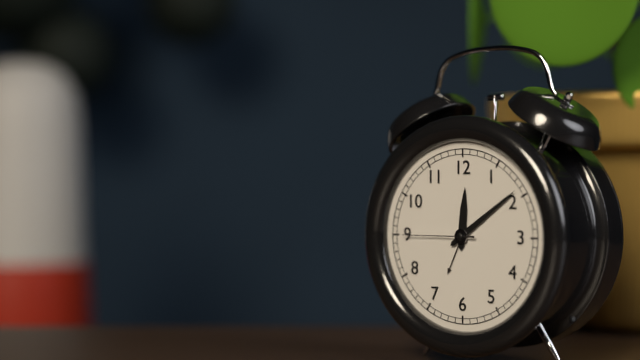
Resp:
12h09m45s
